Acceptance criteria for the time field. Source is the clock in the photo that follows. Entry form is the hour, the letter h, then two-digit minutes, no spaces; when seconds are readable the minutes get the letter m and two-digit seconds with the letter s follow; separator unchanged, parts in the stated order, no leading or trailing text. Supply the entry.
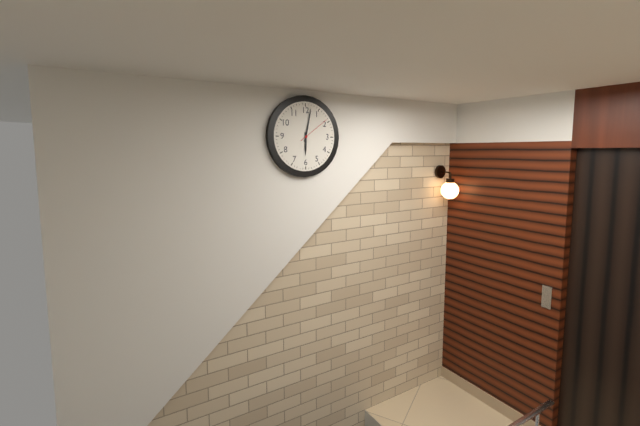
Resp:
6h02
